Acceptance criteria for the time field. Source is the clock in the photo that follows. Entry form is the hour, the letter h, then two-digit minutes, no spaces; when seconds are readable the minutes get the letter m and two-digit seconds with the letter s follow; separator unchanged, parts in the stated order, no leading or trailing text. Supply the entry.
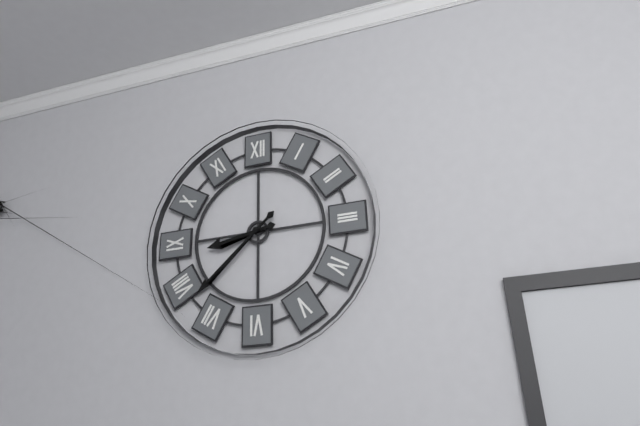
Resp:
8h38
